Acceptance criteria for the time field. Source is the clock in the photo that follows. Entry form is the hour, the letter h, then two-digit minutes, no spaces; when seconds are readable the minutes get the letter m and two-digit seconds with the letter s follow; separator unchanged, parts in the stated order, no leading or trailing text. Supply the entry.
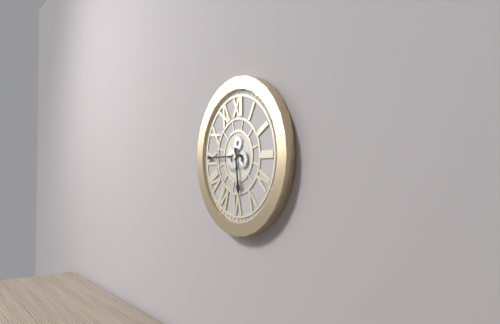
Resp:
5h45
